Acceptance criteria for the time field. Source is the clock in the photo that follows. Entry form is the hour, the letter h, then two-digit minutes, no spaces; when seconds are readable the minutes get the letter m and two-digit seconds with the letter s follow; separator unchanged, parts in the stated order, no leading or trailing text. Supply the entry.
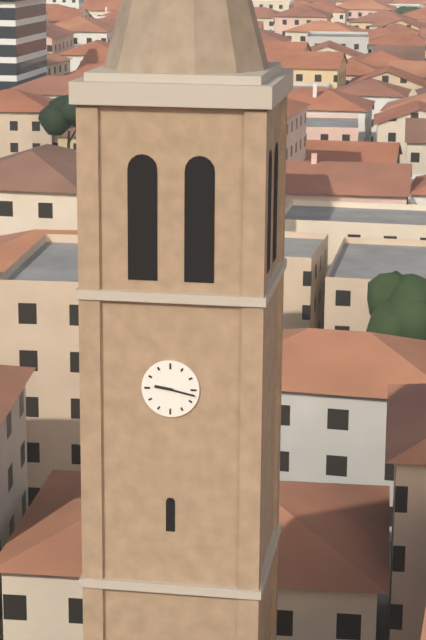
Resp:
9h17
